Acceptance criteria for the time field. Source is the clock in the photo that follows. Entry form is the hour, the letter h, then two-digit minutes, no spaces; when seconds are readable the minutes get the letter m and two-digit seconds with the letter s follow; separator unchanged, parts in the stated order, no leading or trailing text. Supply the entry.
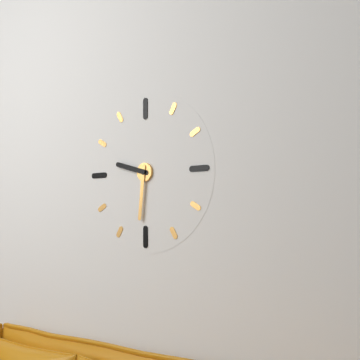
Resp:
9h31
